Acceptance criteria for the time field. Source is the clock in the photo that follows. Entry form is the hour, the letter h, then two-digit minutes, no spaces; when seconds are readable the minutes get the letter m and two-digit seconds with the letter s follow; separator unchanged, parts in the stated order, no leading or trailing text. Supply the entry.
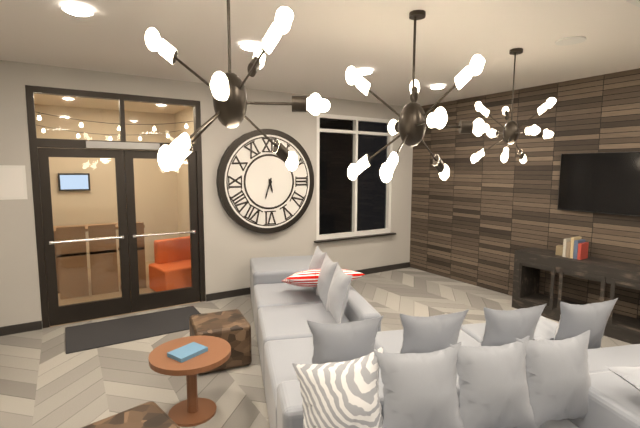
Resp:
5h33
